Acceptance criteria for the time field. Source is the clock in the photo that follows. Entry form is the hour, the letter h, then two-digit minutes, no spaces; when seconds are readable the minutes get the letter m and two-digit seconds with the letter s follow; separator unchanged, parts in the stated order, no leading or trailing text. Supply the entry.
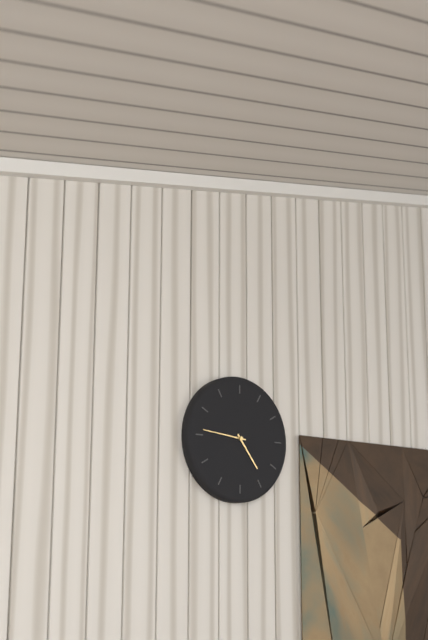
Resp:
4h46
